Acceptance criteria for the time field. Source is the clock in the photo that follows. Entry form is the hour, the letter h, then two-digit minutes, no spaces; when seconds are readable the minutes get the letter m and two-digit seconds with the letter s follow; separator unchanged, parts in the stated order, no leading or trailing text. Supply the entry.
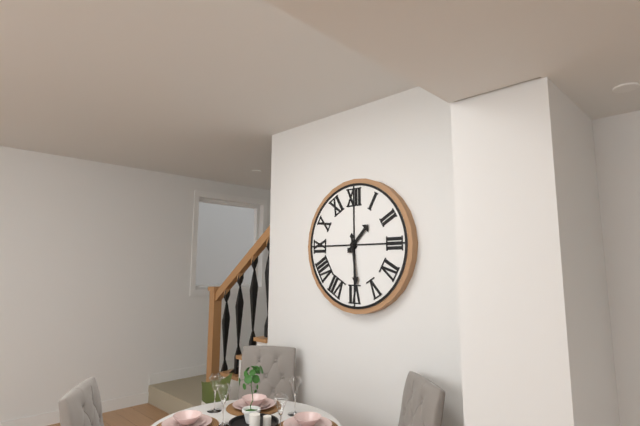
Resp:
1h29
